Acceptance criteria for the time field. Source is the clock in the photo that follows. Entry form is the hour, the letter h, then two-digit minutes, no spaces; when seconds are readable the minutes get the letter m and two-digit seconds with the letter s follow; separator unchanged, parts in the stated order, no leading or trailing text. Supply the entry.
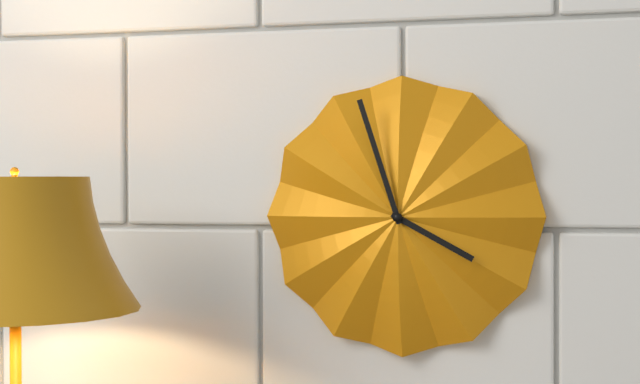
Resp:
3h57
